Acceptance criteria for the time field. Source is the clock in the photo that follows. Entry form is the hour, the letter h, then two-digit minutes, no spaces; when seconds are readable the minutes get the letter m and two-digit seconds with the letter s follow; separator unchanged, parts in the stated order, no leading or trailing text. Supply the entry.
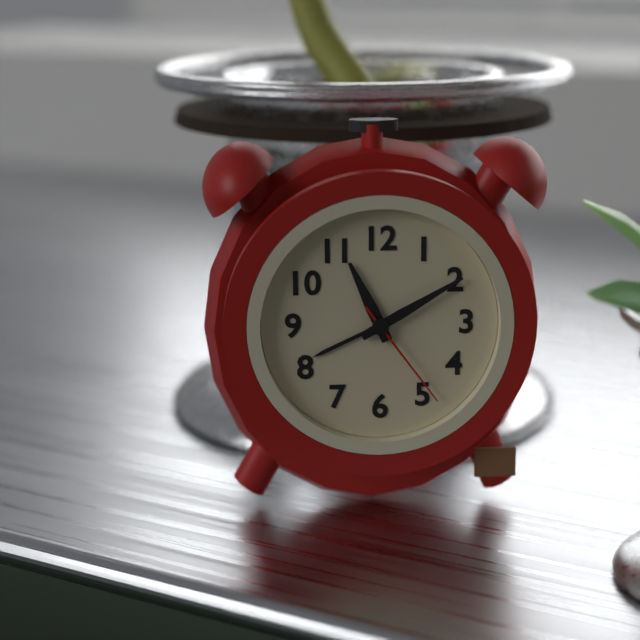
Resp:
11h10m24s
